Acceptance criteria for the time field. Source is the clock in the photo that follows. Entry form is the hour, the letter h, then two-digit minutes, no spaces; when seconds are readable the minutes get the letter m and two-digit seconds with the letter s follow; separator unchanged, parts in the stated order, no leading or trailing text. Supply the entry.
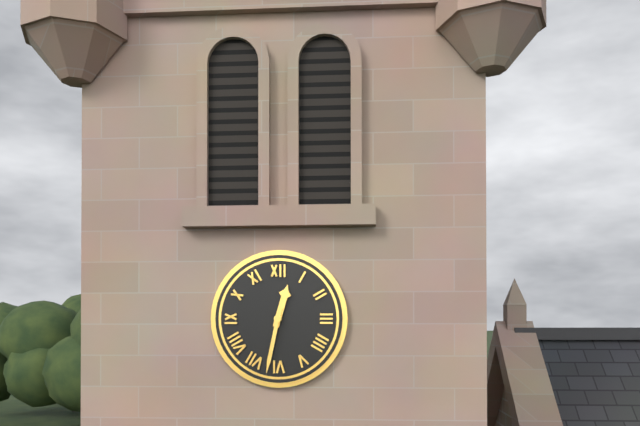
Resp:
12h32
